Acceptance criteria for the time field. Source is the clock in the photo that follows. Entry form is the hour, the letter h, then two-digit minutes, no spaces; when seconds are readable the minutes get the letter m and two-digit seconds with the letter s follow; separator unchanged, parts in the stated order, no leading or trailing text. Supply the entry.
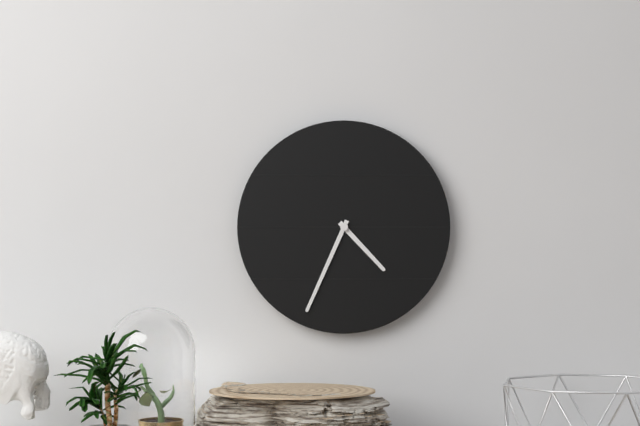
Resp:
4h34
